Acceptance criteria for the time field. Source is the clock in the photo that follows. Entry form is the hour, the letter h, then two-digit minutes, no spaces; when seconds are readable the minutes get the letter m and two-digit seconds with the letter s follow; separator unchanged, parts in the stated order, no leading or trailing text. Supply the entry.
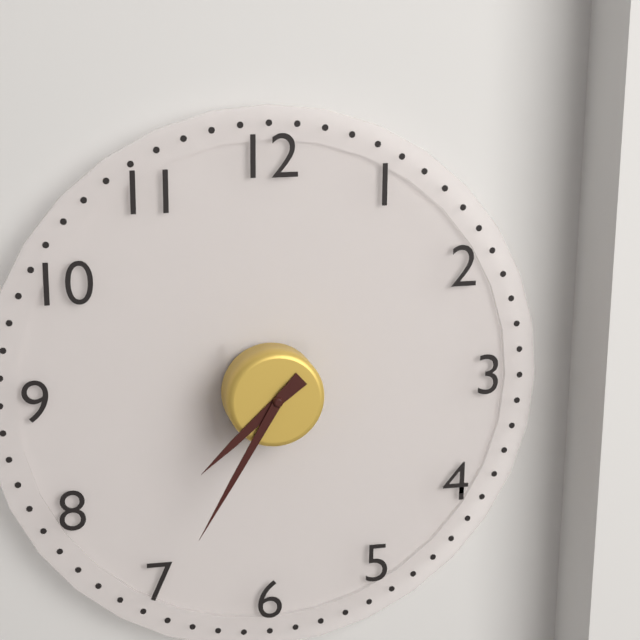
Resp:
7h35
